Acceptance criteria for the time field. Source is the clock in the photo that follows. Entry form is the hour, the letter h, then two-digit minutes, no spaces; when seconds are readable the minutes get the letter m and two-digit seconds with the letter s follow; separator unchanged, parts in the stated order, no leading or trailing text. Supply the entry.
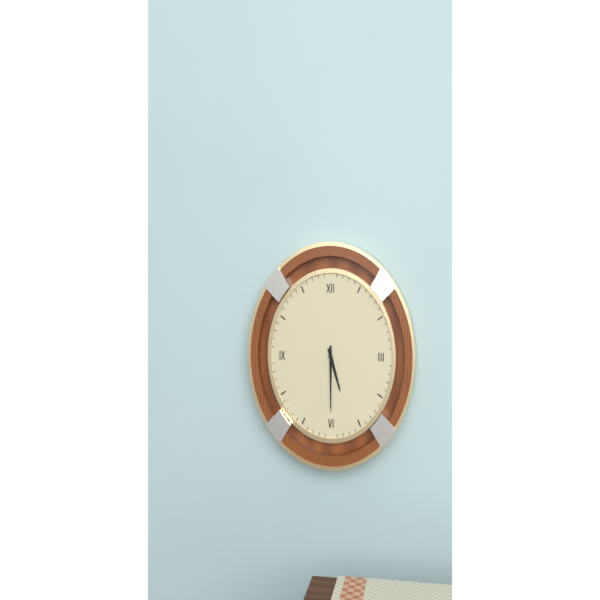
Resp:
5h30
